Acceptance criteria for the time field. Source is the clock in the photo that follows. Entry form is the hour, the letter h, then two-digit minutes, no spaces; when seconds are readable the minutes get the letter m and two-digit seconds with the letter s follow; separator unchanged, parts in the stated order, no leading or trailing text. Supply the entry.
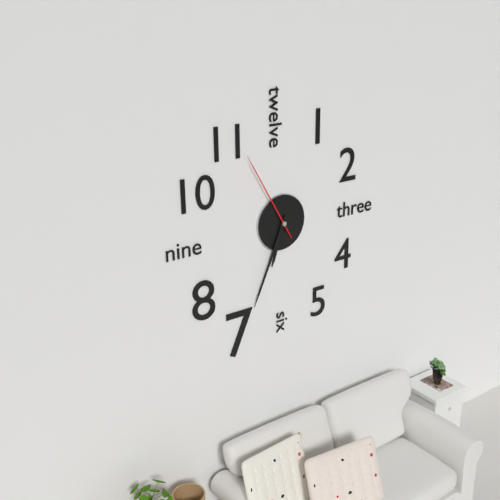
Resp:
6h34m55s
